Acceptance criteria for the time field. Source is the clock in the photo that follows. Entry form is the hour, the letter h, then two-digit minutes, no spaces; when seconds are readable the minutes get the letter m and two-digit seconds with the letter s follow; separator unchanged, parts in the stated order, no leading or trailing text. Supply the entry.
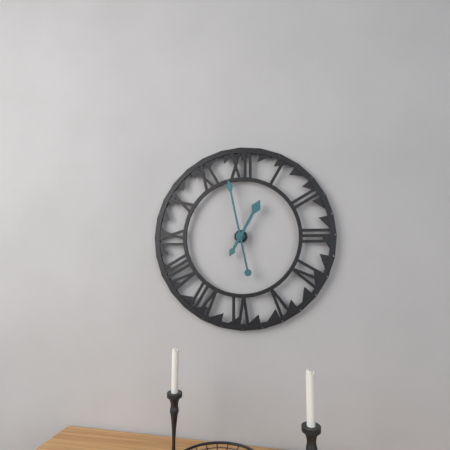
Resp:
12h58
